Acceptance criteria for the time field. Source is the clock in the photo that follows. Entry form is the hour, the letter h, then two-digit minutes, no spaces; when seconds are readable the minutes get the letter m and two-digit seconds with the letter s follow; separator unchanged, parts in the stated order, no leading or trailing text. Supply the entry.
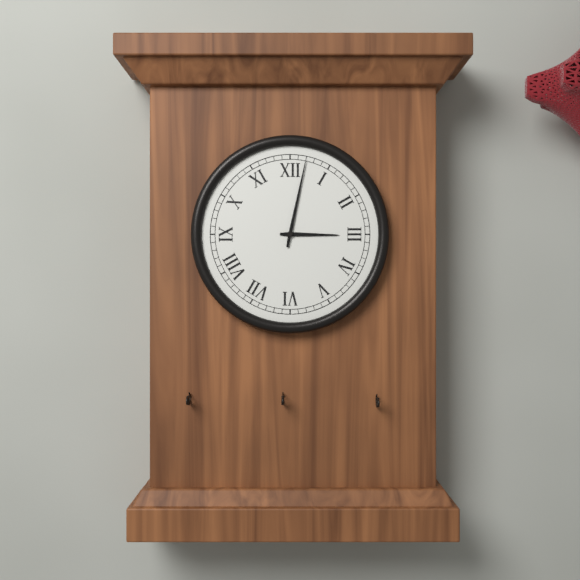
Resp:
3h02
